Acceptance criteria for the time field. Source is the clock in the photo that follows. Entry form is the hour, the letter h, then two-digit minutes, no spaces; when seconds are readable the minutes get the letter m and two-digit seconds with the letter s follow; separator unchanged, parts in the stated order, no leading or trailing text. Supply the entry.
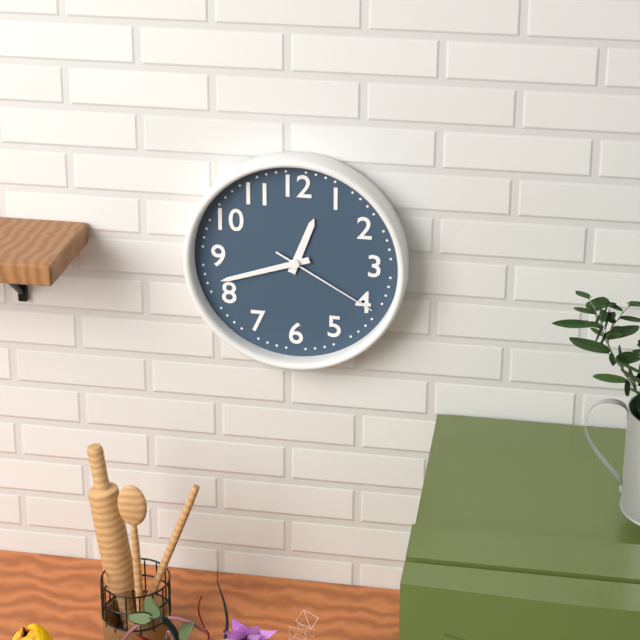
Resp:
12h42m20s
